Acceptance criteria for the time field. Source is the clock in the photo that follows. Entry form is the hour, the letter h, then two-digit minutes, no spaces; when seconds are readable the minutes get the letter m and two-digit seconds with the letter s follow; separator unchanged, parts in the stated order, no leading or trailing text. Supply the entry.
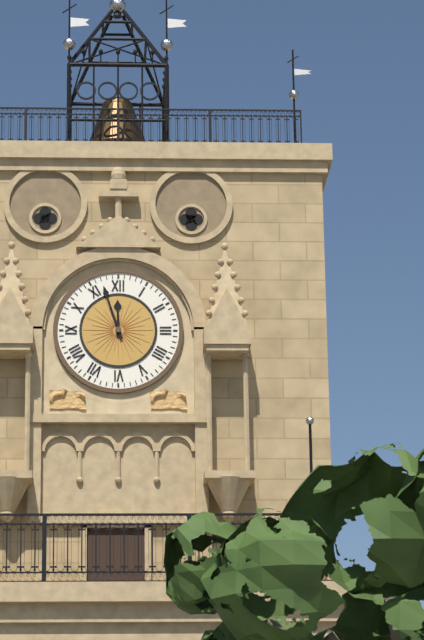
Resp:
11h57
